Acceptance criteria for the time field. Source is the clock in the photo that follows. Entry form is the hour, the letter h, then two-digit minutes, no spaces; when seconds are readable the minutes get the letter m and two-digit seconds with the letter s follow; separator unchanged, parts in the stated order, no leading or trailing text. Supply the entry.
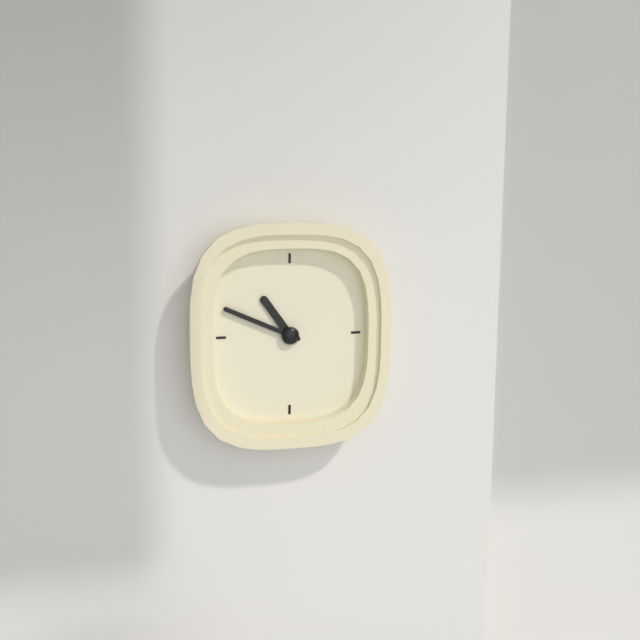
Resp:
10h49
